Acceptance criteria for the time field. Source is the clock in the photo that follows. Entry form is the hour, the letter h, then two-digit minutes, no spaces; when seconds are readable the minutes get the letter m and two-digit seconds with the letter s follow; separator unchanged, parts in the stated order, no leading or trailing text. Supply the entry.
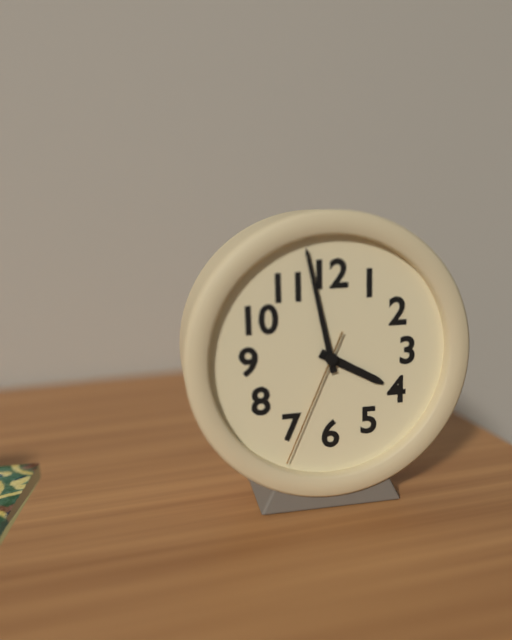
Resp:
3h58m34s
